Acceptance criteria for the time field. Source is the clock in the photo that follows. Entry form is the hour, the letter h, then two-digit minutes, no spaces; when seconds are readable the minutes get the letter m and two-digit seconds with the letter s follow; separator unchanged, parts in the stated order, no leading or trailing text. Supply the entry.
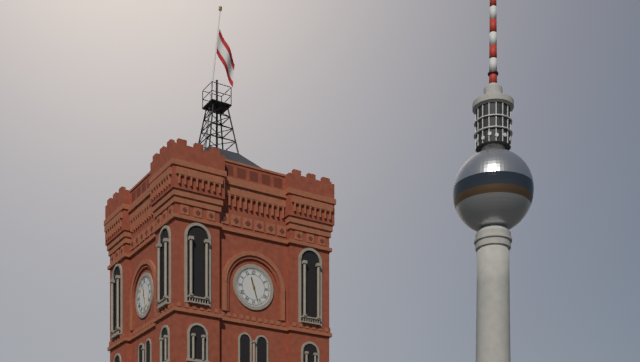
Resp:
11h27
